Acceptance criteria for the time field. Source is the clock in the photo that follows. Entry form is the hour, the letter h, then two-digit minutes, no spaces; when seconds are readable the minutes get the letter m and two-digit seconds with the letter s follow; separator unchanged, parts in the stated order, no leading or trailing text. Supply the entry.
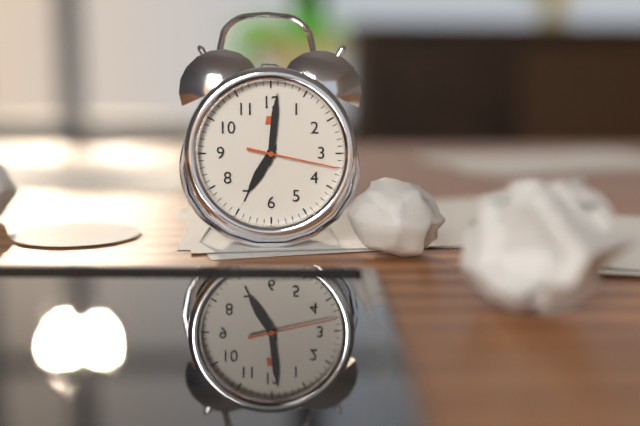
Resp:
7h01m17s
